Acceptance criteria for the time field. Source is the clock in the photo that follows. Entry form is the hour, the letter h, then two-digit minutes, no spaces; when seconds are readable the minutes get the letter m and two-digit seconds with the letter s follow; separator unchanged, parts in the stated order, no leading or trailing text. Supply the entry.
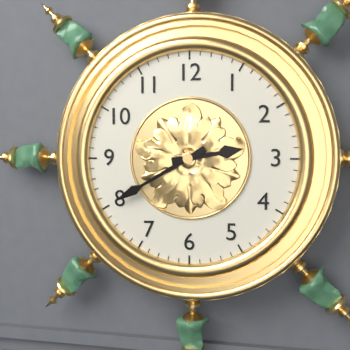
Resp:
2h40
